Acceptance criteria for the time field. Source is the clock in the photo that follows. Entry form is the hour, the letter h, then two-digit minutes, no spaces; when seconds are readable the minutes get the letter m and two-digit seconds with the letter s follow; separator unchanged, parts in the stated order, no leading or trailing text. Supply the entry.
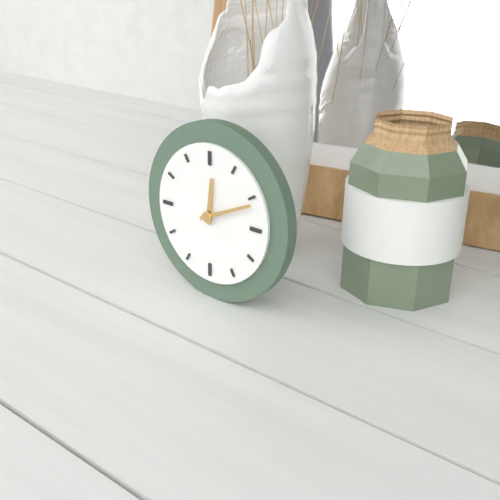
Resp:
12h11
